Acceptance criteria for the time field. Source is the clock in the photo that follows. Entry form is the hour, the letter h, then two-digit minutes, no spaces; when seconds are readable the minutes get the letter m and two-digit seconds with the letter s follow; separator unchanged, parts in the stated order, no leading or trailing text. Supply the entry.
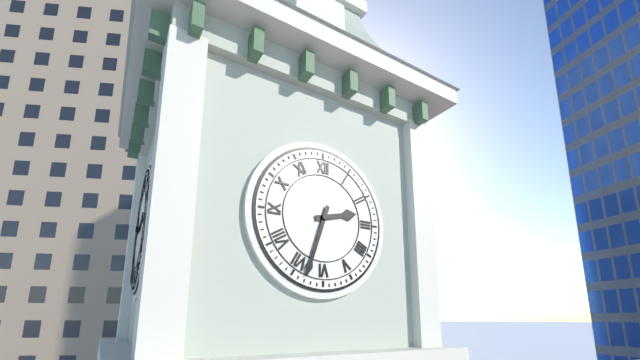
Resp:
2h33
